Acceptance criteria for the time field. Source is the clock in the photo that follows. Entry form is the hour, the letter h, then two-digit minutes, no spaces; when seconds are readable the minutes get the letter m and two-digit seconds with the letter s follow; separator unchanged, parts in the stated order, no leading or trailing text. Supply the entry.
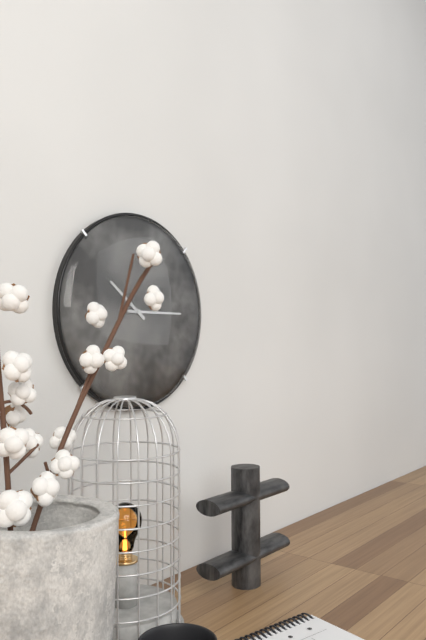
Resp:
10h15
